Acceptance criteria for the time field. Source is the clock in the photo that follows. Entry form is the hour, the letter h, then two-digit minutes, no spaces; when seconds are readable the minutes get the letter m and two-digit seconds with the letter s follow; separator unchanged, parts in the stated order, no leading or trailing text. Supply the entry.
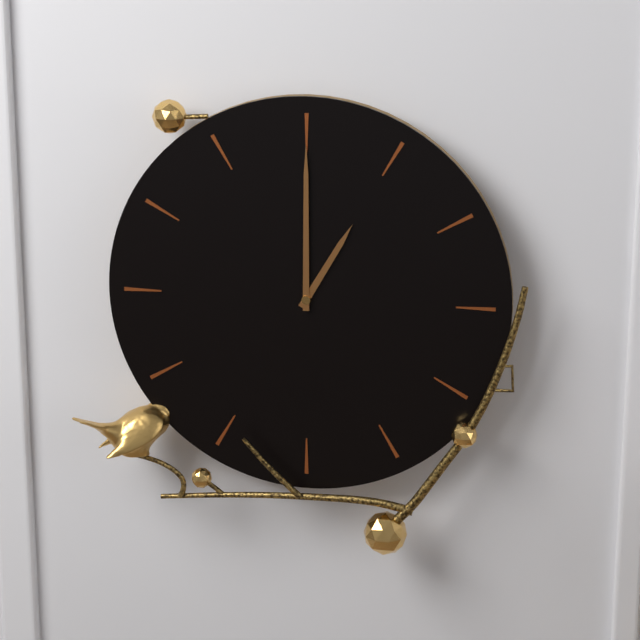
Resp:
1h00
